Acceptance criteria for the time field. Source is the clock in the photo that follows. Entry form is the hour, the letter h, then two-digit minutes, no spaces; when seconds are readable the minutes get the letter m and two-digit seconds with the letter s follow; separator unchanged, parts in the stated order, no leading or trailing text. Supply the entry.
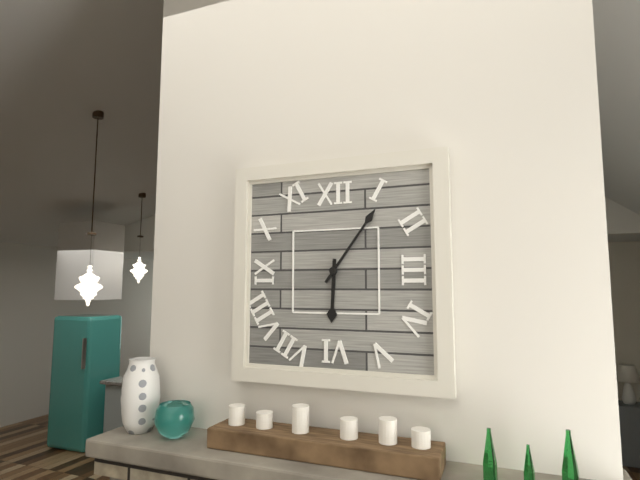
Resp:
6h06
